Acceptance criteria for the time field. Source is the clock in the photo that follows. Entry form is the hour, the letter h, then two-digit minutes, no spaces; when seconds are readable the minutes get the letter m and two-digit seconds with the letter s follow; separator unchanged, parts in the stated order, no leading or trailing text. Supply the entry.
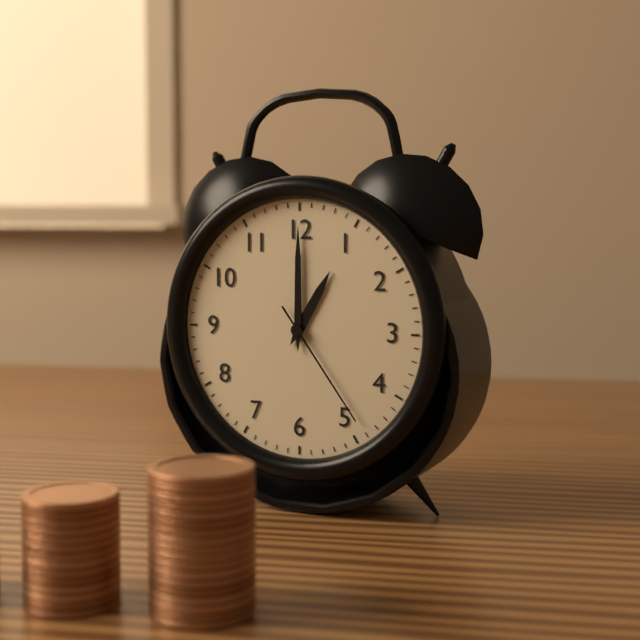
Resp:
1h00m24s
